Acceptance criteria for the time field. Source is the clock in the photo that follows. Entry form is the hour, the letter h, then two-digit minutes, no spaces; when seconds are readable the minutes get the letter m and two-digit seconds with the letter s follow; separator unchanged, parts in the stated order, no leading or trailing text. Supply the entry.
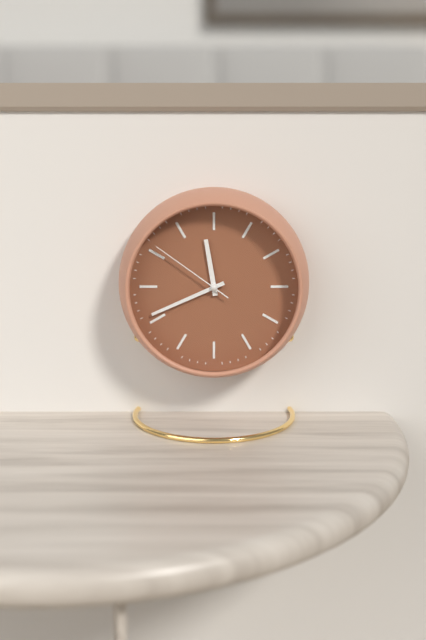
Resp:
11h41m51s
